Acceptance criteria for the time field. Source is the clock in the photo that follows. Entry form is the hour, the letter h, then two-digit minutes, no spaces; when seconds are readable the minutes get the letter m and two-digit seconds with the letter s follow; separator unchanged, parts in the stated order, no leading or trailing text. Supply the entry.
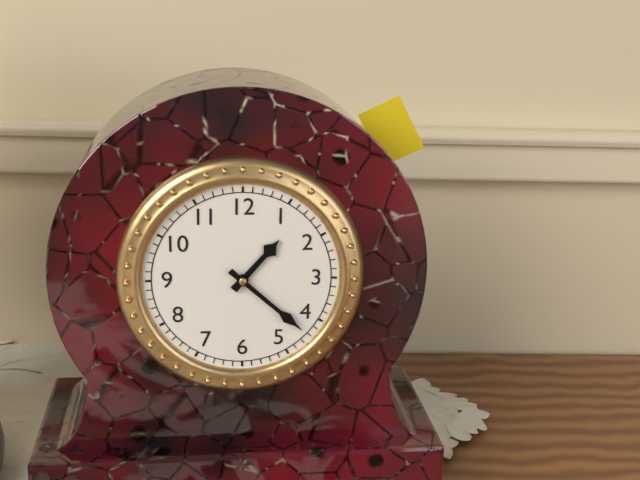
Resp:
1h22
